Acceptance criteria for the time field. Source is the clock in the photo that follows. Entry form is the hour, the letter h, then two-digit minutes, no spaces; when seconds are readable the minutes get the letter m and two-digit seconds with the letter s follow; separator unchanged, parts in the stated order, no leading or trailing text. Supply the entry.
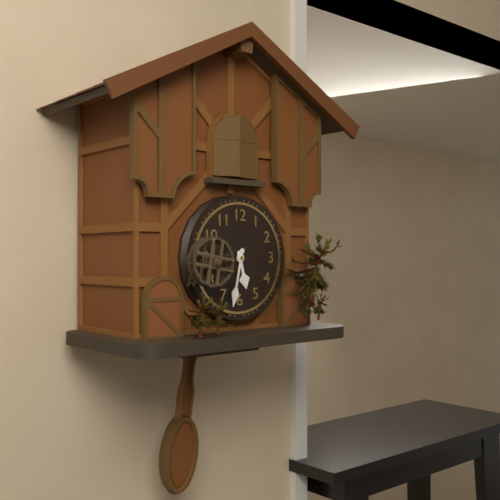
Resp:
5h32
